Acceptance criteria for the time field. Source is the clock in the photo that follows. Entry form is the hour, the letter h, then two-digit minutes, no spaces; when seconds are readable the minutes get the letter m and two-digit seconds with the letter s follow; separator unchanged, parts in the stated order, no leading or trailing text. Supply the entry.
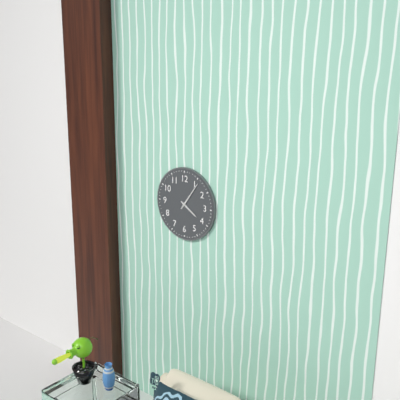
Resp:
4h06
